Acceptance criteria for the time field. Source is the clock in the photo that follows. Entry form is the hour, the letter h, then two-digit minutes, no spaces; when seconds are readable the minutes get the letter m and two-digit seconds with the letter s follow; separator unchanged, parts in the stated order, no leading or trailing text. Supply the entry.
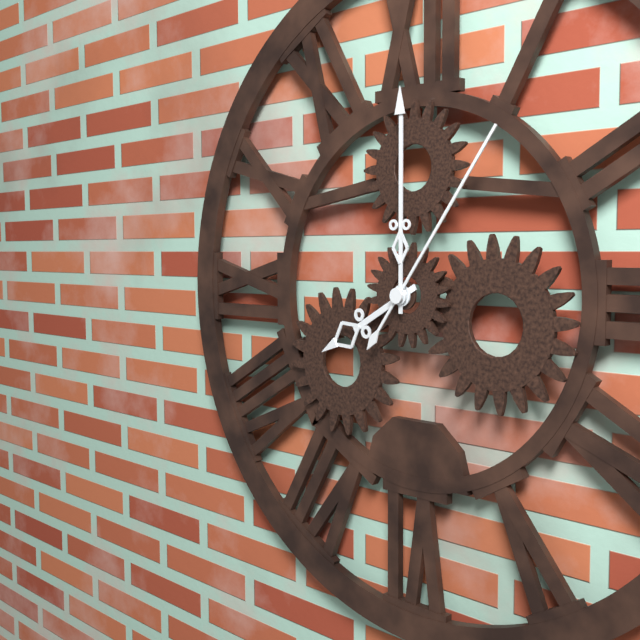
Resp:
8h00m06s
